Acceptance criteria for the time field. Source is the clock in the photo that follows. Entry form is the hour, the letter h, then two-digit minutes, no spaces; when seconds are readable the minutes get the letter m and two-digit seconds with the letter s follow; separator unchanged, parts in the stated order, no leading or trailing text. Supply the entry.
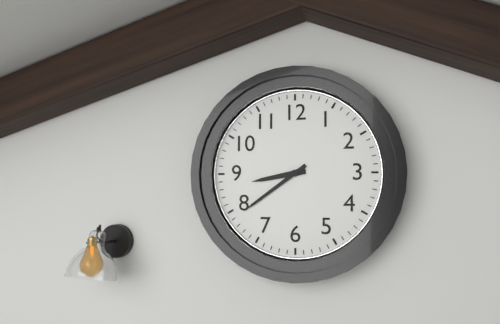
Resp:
8h39
